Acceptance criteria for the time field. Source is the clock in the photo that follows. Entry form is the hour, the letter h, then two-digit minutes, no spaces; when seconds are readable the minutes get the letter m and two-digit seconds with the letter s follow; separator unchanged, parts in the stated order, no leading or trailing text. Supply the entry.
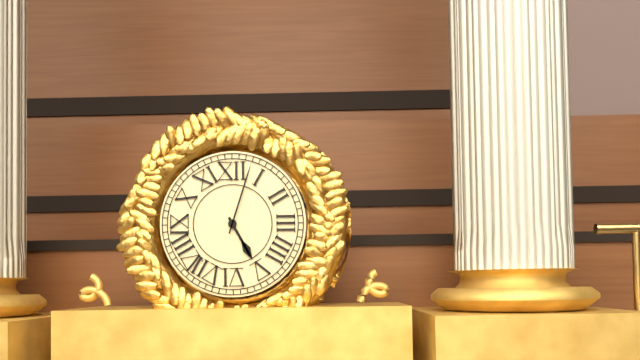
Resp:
5h03
